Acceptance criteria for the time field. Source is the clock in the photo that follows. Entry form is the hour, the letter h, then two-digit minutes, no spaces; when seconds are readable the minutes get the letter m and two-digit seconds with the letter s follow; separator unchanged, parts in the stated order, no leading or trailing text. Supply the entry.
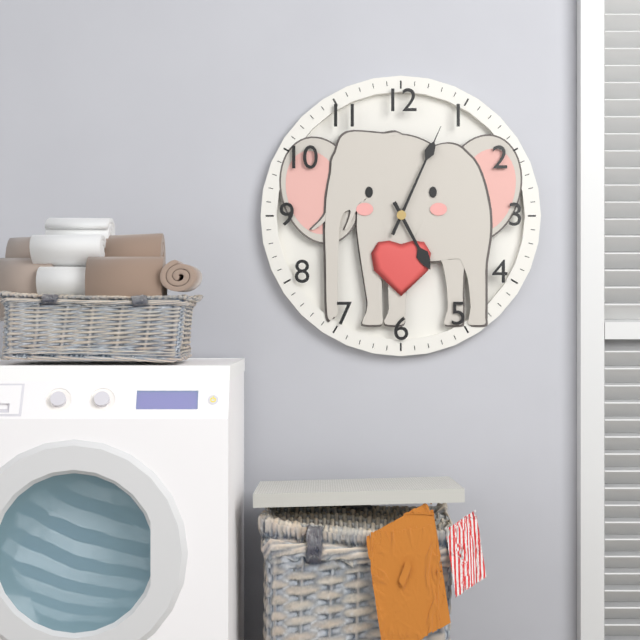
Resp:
5h04
